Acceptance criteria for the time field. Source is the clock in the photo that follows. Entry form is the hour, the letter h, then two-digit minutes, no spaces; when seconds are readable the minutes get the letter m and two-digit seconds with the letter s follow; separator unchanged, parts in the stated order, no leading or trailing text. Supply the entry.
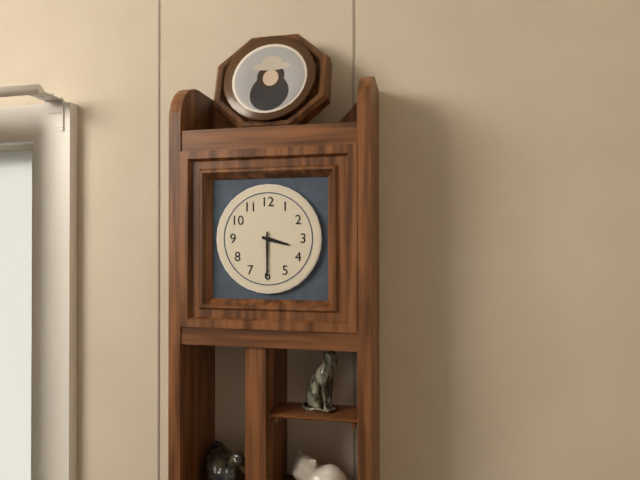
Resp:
3h30
